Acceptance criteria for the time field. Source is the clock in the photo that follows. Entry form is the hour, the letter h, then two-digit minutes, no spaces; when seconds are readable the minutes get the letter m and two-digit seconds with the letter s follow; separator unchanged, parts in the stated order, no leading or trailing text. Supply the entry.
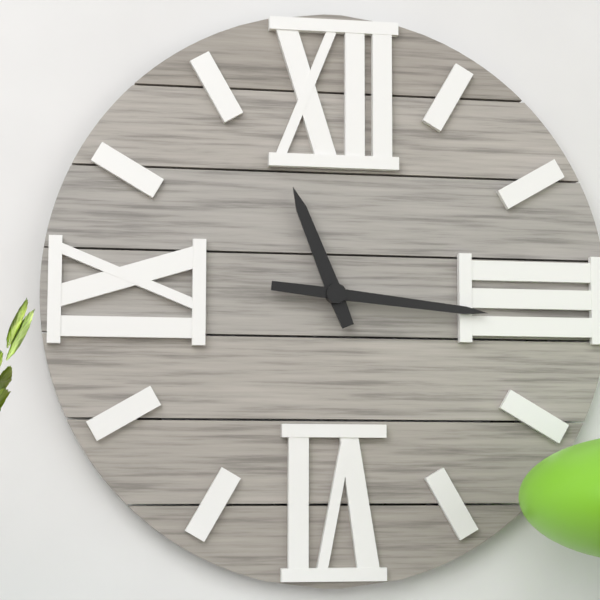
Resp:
11h16
